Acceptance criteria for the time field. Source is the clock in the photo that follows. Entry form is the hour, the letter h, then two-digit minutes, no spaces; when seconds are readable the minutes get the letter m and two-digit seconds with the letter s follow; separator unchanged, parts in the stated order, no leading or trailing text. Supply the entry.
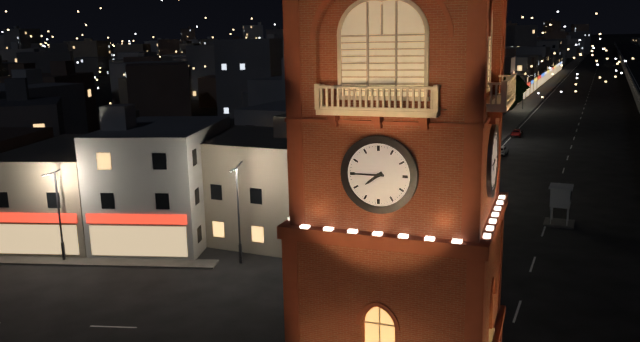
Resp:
7h45
